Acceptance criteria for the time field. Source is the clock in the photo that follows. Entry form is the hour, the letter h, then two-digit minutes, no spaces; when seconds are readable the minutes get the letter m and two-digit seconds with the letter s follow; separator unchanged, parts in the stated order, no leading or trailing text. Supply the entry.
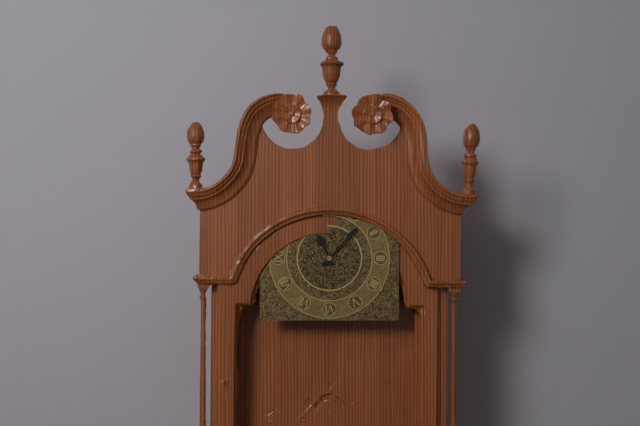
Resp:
11h07
